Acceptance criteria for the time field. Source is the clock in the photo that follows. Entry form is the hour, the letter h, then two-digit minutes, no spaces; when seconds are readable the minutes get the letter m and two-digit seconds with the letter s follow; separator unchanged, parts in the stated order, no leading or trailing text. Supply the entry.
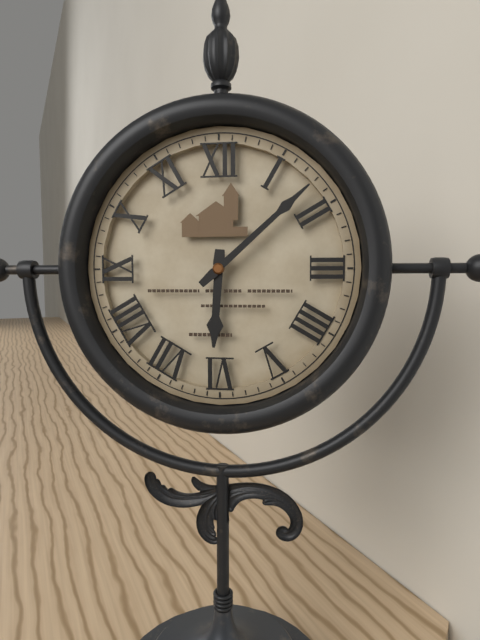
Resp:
6h08
